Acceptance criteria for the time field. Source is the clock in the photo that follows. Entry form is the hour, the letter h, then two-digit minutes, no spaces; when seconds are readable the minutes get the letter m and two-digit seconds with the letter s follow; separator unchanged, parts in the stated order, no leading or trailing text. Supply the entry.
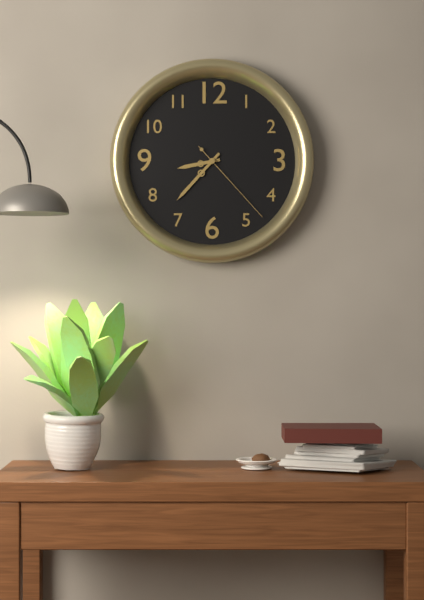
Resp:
8h37m23s
